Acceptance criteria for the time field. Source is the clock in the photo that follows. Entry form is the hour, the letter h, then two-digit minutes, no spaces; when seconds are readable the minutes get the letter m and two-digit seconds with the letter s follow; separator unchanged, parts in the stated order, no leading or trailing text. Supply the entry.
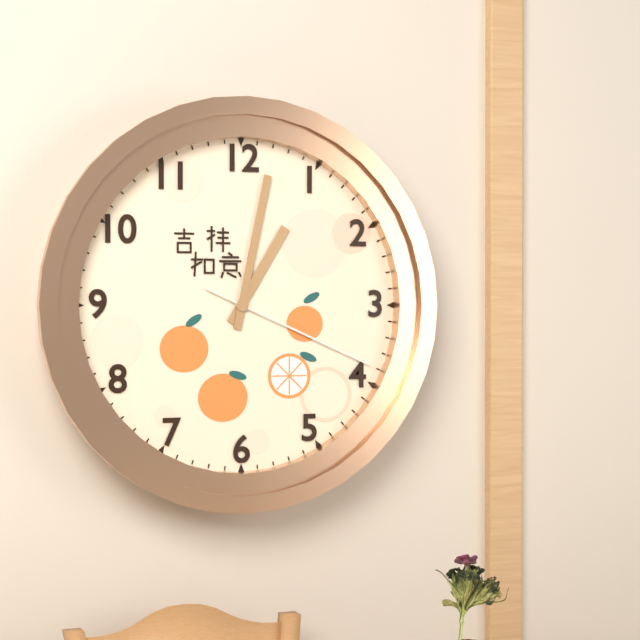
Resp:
1h02m19s
